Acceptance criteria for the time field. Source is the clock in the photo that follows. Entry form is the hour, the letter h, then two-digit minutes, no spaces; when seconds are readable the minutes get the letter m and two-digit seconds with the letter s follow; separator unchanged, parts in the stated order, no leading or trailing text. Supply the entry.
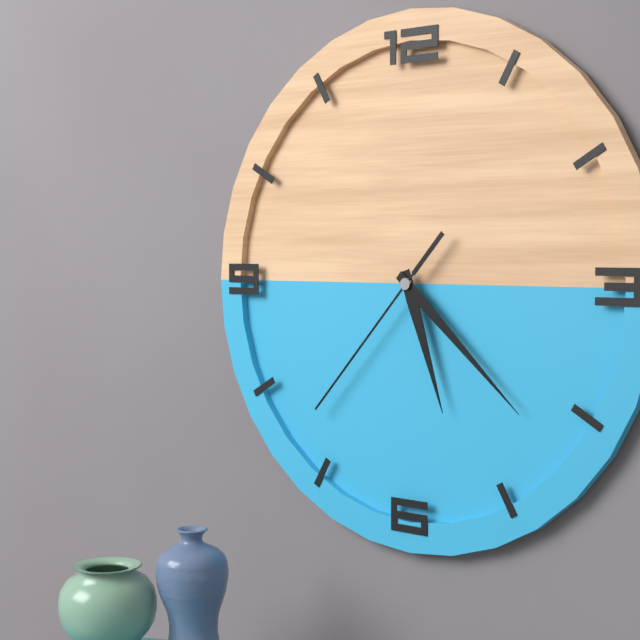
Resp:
5h22m37s
